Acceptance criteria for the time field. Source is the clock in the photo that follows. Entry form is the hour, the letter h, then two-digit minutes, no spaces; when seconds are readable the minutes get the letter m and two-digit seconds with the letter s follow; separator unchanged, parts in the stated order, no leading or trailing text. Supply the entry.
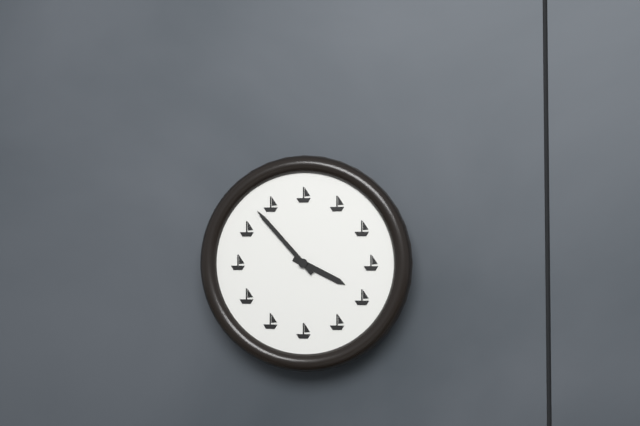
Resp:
3h53
